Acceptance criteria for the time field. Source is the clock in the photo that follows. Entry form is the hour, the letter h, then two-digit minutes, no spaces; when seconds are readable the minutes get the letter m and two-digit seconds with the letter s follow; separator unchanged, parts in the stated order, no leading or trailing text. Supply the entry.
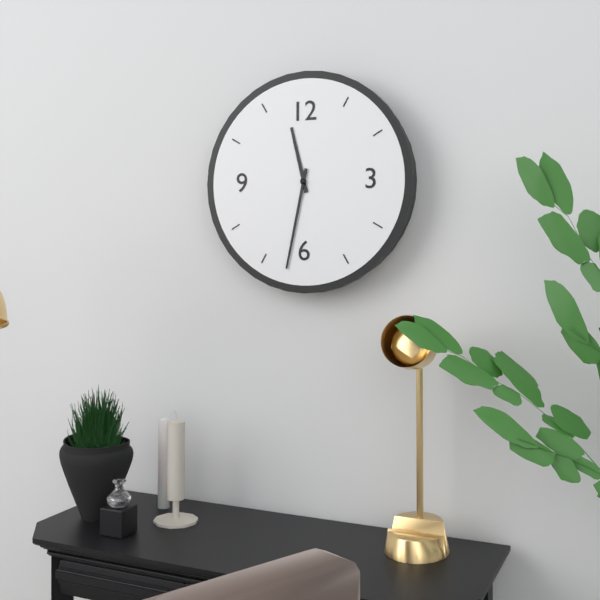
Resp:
11h32
